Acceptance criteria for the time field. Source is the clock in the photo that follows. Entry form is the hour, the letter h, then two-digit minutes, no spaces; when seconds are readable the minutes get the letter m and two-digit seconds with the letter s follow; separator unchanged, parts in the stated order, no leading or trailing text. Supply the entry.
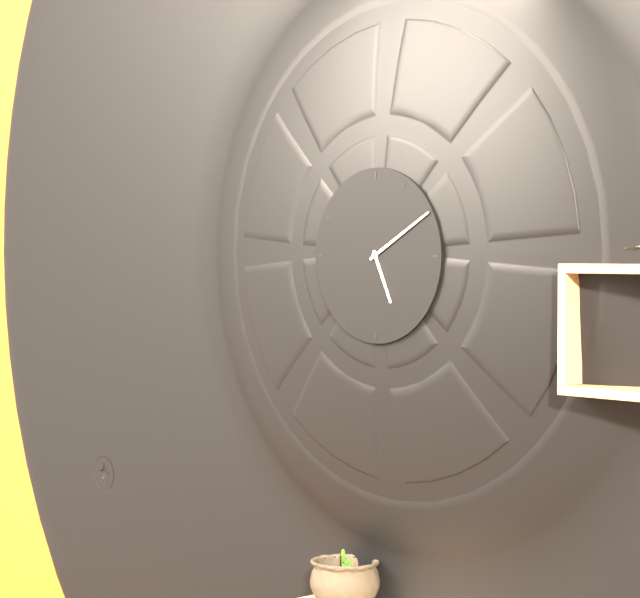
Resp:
5h10
